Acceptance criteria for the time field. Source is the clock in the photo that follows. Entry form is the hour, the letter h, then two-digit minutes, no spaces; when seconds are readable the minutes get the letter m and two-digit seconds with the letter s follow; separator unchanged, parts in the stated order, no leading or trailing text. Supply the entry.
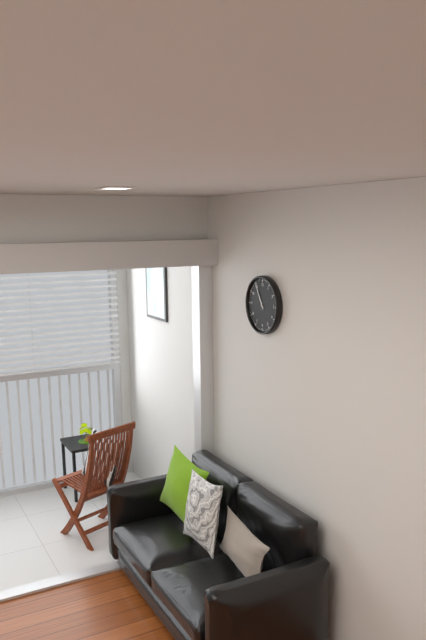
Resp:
10h55
